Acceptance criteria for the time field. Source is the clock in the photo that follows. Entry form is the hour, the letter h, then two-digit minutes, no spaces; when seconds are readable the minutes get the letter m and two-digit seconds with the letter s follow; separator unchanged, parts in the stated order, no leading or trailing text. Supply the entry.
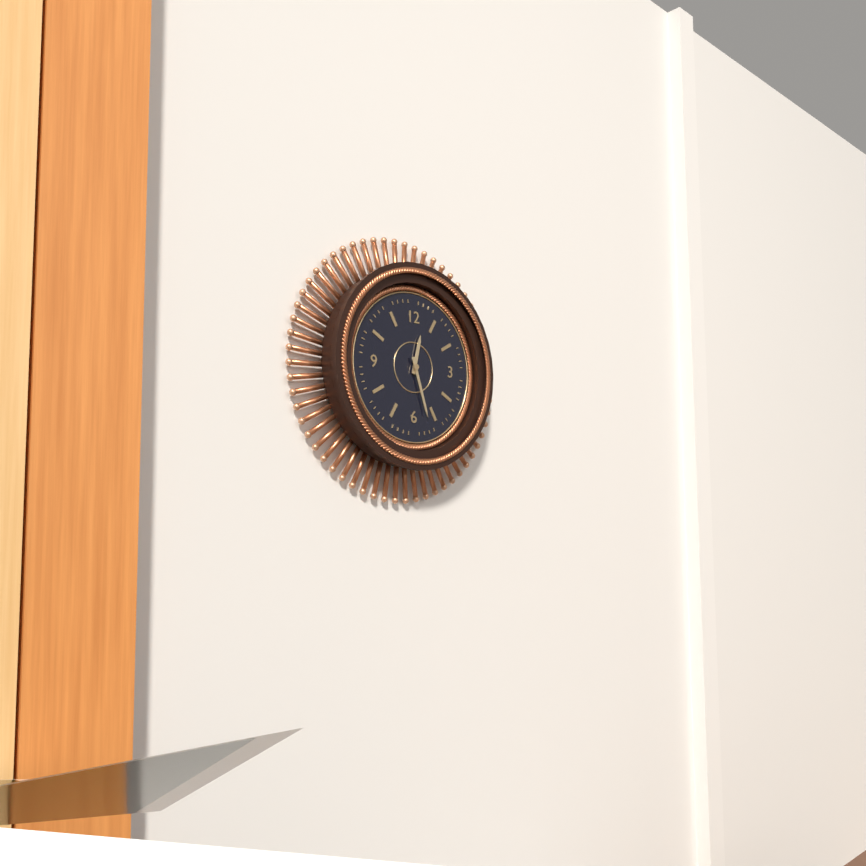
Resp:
12h27
